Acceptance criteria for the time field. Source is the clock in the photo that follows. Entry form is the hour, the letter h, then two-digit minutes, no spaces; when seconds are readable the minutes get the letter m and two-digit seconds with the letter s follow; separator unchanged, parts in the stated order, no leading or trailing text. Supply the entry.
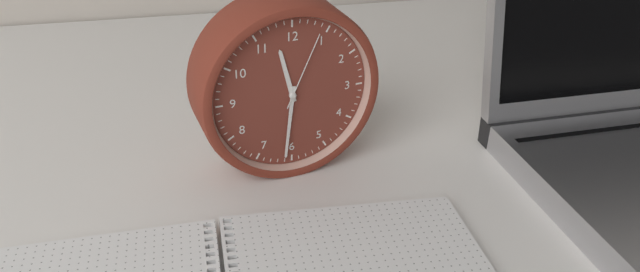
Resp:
11h31m04s
